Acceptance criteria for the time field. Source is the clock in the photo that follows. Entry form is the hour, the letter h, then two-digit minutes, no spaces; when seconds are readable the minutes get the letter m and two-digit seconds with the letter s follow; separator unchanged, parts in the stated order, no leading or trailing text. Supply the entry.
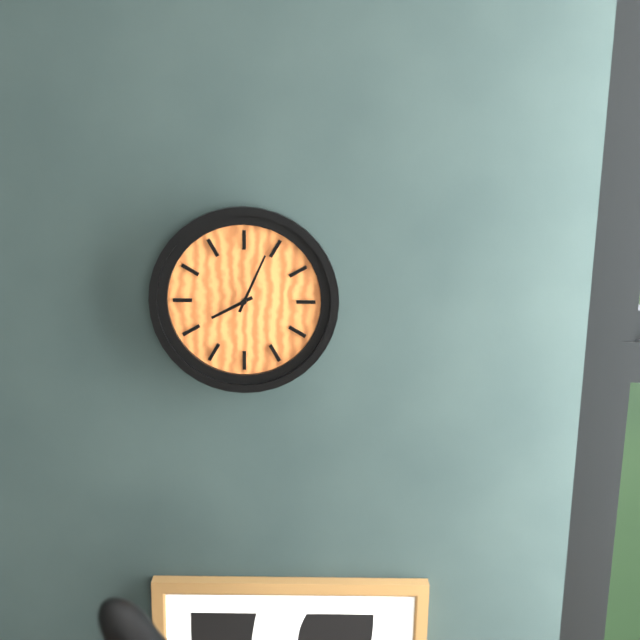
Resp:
8h04
